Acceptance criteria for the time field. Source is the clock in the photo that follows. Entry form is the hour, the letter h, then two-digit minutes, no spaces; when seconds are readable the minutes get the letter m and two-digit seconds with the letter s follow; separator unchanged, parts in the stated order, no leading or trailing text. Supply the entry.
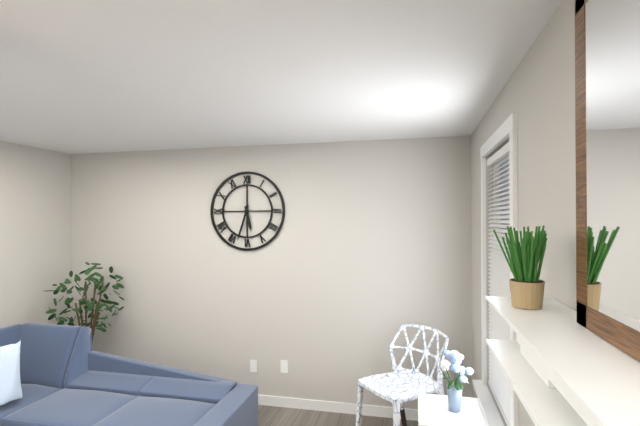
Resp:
5h33
